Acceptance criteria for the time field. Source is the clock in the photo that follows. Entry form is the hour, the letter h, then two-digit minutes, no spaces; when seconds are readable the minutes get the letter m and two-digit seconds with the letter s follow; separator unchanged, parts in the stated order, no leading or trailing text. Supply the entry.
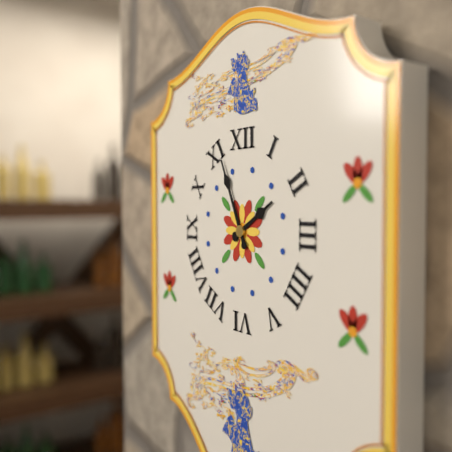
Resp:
1h56
